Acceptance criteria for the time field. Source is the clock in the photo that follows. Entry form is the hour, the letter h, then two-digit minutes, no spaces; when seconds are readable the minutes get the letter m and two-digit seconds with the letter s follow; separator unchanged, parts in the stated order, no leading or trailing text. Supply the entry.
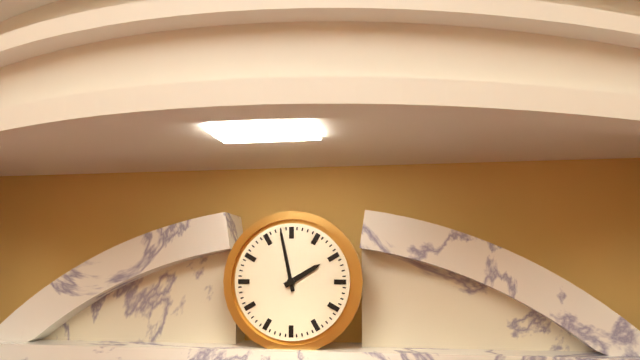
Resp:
1h58
